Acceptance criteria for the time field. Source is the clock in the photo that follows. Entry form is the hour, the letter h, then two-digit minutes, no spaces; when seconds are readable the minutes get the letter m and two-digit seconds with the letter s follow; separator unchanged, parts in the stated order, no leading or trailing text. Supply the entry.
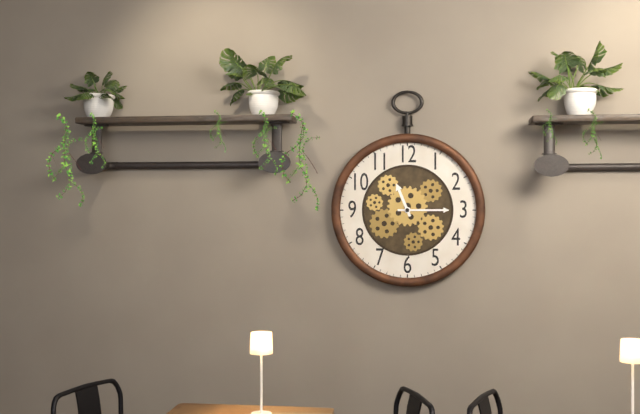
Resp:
11h15
